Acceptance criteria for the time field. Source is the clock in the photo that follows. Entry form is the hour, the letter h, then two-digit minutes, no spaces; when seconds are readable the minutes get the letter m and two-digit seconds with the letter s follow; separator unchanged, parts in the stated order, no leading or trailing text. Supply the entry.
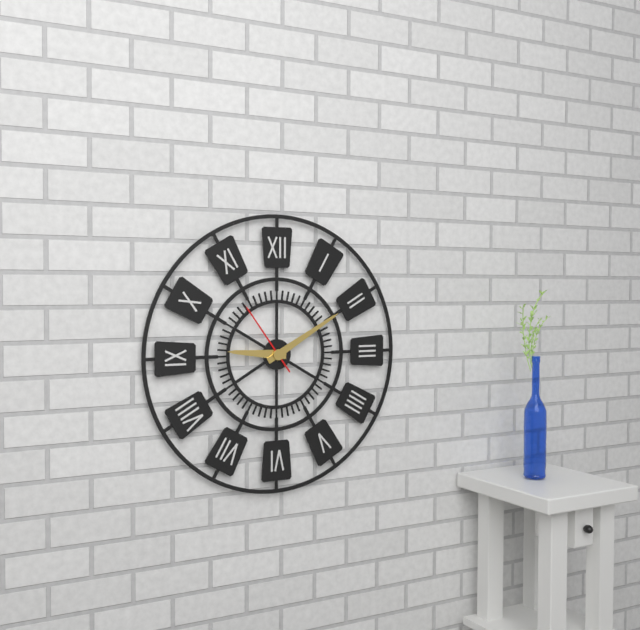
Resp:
9h10m54s
